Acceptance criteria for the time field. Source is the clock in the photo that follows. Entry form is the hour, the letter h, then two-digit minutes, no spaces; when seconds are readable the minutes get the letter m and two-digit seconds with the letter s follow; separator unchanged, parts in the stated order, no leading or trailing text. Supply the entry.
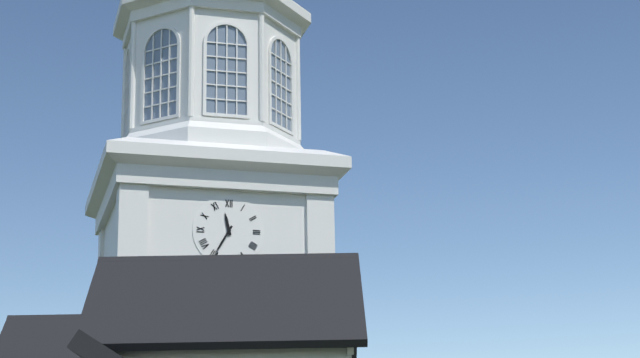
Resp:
11h35
